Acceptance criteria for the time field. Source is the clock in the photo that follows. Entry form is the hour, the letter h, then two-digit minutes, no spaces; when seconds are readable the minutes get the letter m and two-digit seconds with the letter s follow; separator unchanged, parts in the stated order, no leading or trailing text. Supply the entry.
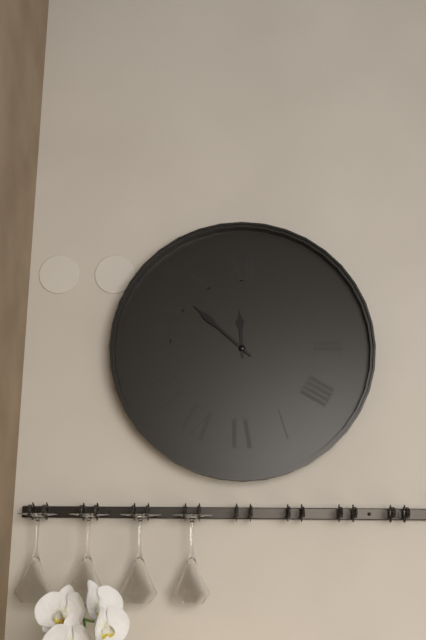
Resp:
11h52
